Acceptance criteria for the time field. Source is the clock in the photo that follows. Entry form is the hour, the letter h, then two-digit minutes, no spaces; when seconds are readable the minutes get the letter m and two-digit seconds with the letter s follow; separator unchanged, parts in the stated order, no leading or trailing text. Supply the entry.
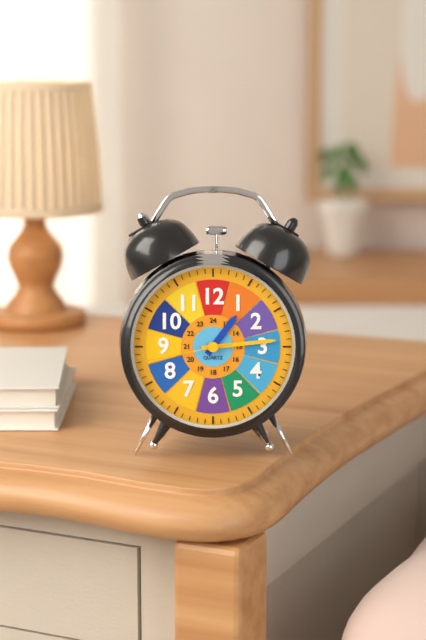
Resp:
1h14m43s
